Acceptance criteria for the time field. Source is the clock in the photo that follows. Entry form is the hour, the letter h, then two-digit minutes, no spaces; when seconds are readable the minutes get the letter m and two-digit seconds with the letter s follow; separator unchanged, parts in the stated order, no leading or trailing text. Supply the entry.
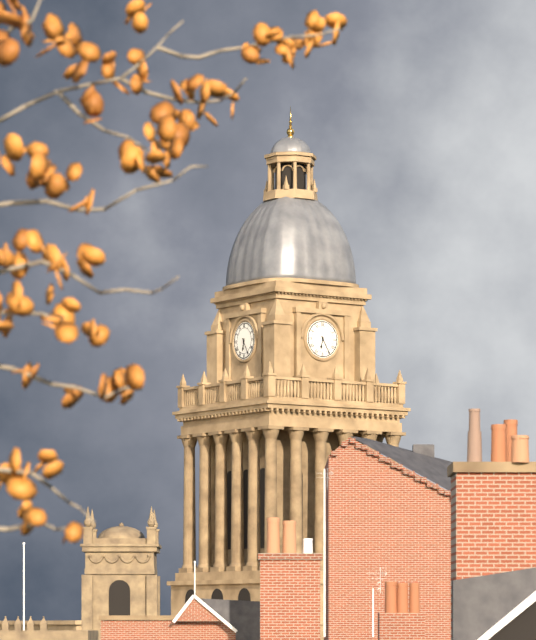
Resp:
6h25
